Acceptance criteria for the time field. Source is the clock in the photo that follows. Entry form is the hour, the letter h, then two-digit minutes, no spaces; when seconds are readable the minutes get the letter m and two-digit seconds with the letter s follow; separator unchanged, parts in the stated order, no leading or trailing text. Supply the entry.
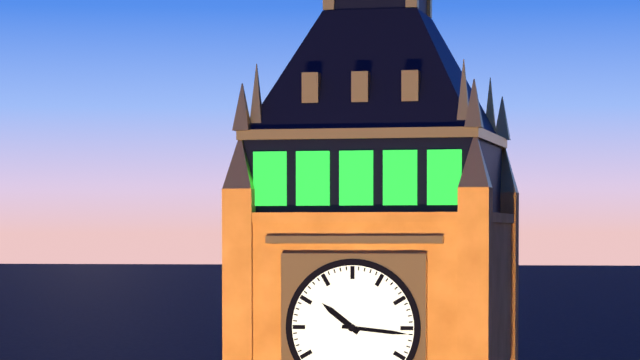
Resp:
10h16
